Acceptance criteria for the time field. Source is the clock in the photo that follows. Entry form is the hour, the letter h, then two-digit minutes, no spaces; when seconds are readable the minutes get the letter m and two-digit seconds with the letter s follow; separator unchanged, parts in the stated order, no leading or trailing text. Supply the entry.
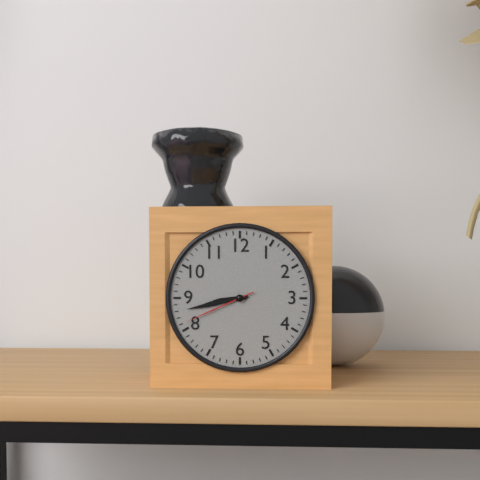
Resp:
8h43m41s
